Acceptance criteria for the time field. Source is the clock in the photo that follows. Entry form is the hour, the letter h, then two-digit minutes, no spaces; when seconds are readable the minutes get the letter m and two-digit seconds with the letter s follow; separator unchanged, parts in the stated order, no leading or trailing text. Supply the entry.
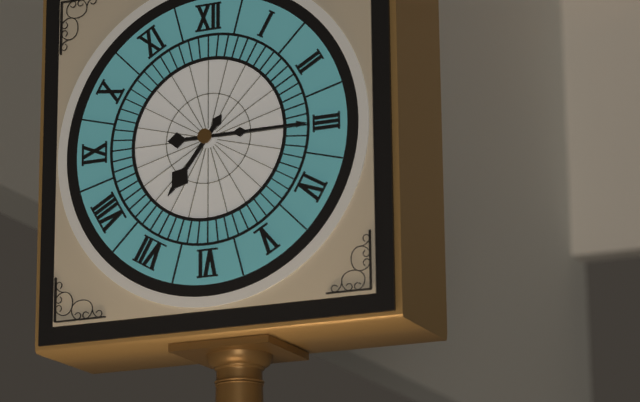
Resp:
7h15
